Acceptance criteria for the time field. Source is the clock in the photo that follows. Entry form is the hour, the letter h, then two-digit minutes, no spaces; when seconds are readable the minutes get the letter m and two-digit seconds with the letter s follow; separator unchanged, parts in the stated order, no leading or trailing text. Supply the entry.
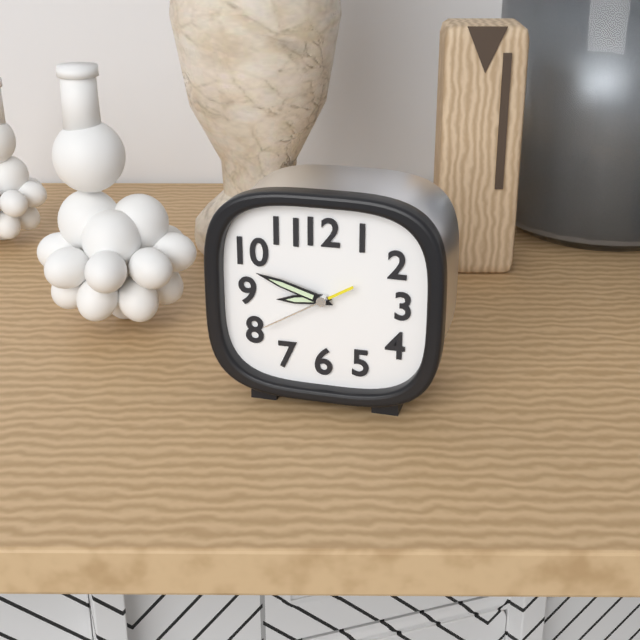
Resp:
8h48m40s
